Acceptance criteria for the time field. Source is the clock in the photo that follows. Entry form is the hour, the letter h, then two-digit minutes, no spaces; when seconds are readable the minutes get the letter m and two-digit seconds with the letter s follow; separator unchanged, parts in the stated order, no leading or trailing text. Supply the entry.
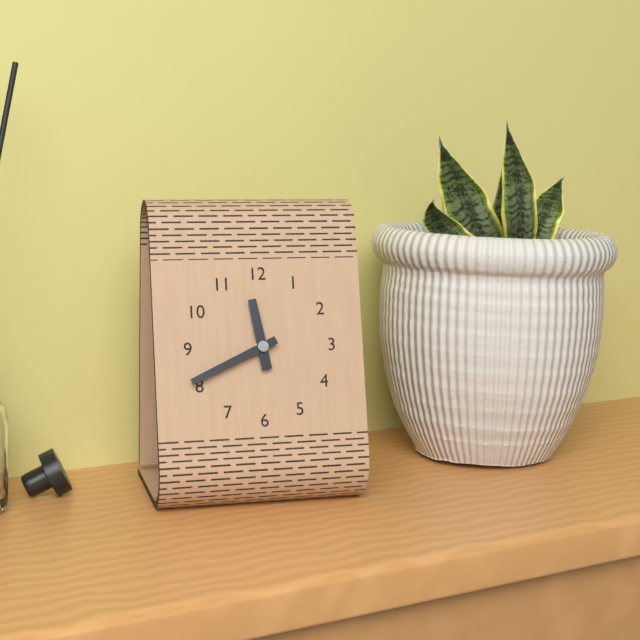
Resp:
11h41
